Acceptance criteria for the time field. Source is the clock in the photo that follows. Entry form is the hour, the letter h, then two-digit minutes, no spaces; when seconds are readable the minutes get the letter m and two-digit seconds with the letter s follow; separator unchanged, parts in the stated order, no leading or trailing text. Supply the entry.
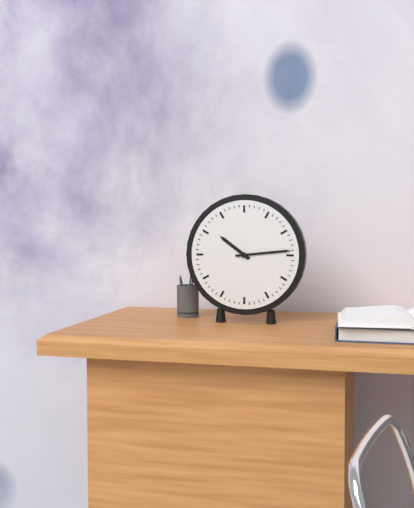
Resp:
10h14
